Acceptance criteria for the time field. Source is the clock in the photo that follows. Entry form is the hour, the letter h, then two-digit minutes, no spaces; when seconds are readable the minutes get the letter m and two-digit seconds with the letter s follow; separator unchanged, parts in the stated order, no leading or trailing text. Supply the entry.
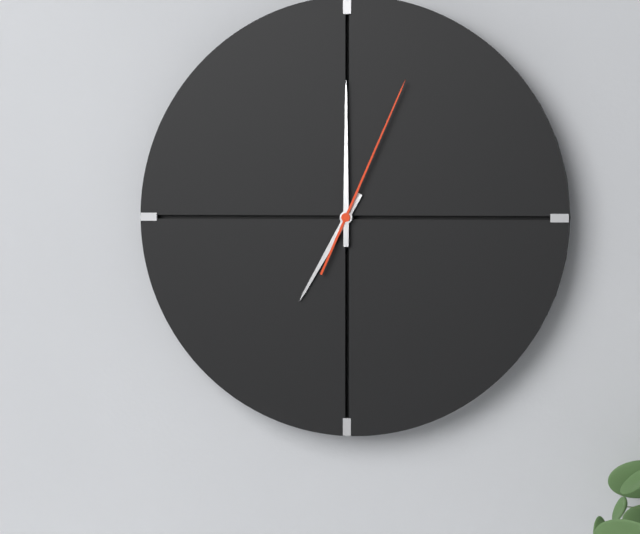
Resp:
7h00m04s
